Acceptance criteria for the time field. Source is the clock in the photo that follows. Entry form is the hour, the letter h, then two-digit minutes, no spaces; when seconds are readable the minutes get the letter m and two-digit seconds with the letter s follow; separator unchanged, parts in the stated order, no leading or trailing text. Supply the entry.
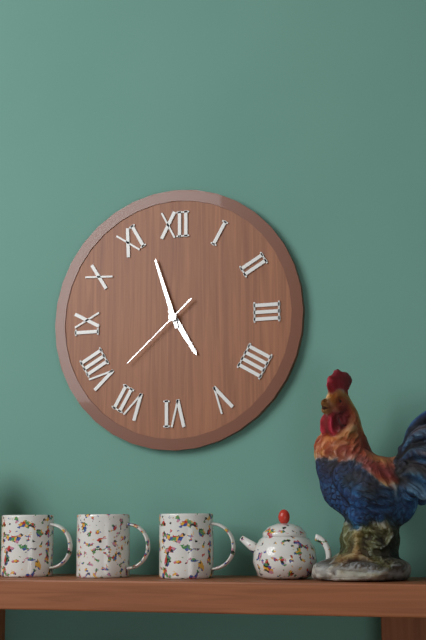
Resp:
4h57m38s
